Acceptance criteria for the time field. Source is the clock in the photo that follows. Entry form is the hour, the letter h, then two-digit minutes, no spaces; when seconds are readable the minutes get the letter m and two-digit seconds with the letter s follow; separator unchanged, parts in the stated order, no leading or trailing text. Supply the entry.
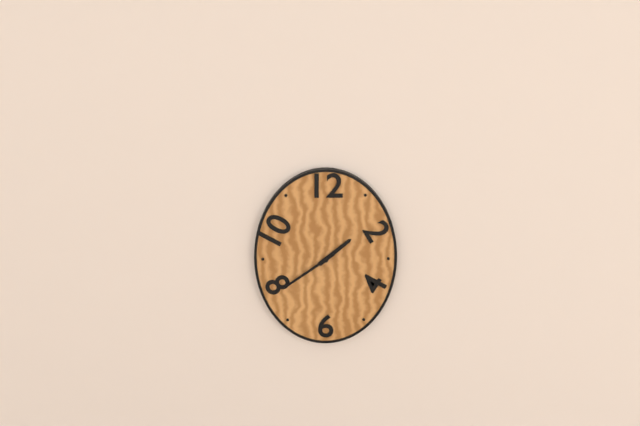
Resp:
1h39
